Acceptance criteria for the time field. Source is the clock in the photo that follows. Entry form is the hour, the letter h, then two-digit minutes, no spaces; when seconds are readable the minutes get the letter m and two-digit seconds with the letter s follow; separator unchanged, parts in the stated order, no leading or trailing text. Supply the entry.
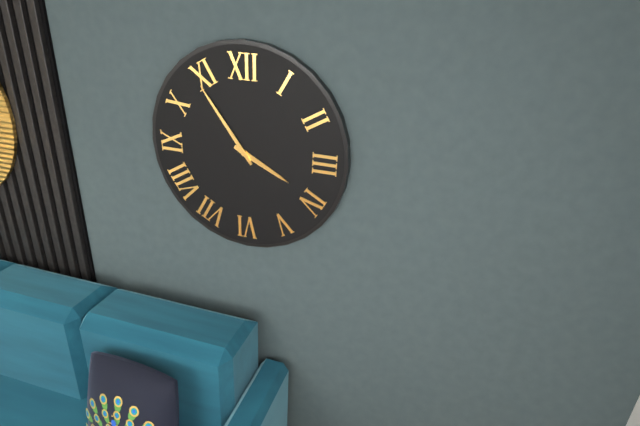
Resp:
3h54
